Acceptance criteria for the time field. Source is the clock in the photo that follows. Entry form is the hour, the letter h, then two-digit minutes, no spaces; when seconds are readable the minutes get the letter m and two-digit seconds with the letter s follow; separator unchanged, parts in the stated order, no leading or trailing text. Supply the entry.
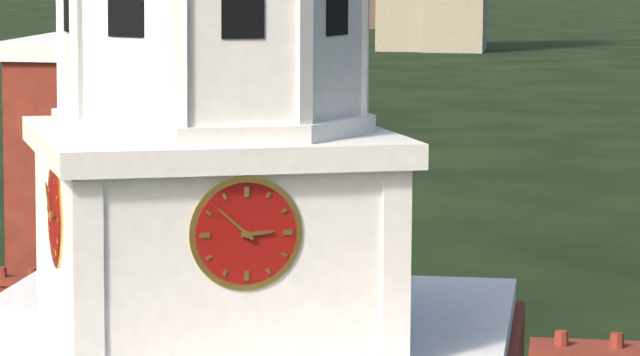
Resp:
2h52
